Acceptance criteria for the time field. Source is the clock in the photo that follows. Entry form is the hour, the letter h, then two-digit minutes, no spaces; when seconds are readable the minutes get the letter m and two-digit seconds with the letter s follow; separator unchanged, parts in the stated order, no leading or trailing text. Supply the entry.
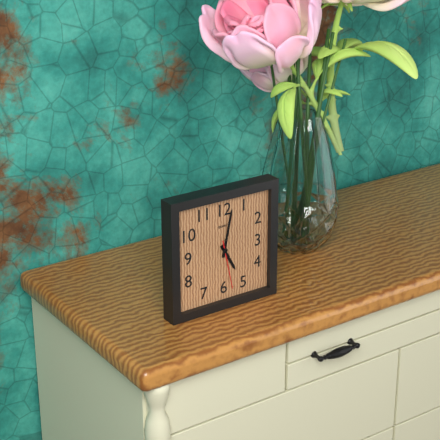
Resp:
5h02
